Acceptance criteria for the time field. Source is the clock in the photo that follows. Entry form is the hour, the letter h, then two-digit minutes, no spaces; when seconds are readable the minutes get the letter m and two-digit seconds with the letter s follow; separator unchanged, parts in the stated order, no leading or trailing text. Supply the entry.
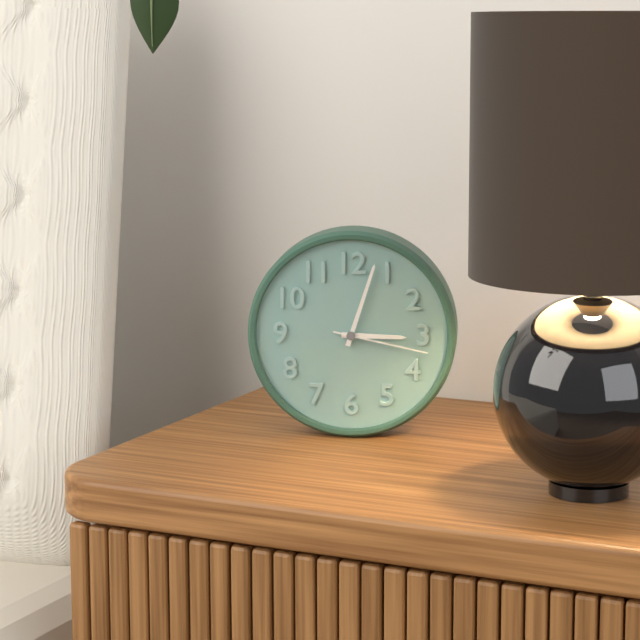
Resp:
3h03m17s
